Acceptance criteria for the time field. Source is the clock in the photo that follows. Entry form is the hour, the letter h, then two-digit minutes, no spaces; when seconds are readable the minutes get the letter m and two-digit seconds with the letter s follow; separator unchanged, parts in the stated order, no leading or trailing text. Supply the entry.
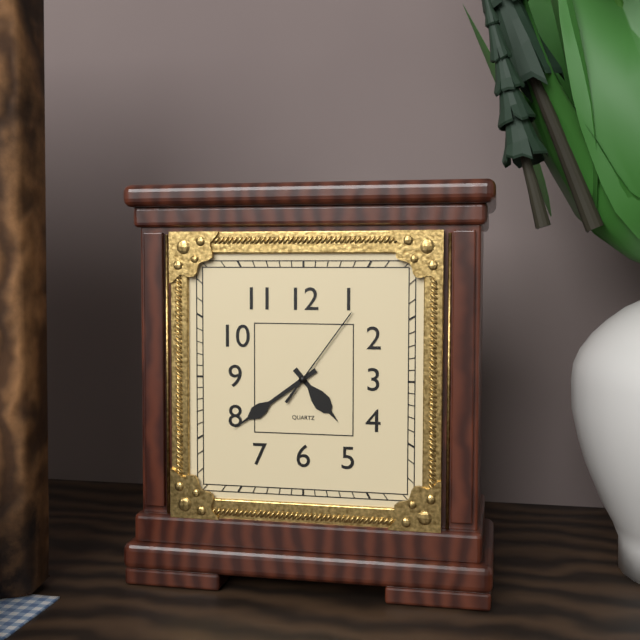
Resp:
4h39m06s
